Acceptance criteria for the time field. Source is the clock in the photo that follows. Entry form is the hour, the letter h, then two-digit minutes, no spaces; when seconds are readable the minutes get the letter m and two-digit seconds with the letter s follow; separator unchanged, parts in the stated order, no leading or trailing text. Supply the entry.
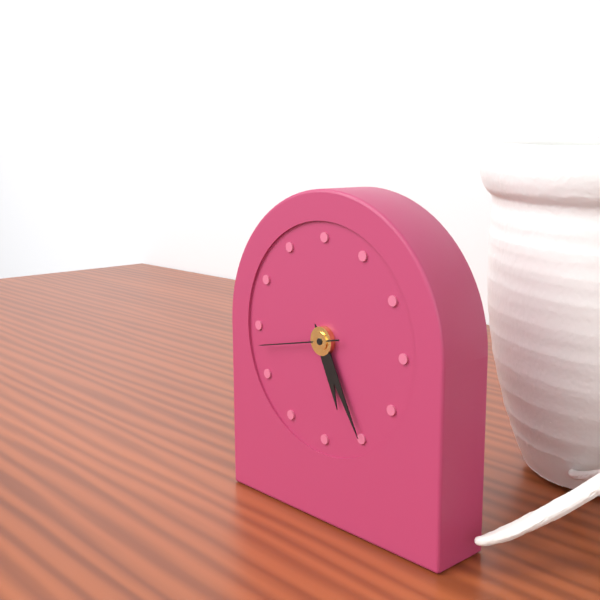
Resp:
5h25m43s
